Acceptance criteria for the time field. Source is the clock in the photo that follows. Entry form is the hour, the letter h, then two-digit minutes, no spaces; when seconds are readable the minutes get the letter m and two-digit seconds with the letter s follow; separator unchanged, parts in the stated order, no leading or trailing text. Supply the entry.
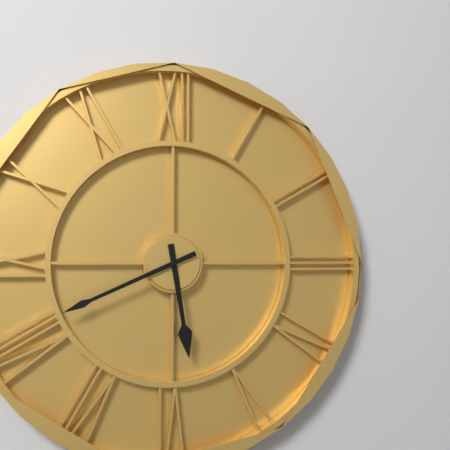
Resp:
5h41
